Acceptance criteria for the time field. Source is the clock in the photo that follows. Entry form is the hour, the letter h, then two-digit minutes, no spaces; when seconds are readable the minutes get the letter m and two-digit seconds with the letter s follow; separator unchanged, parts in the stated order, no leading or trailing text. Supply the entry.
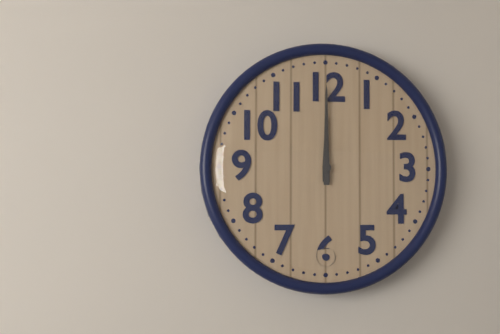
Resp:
12h00
